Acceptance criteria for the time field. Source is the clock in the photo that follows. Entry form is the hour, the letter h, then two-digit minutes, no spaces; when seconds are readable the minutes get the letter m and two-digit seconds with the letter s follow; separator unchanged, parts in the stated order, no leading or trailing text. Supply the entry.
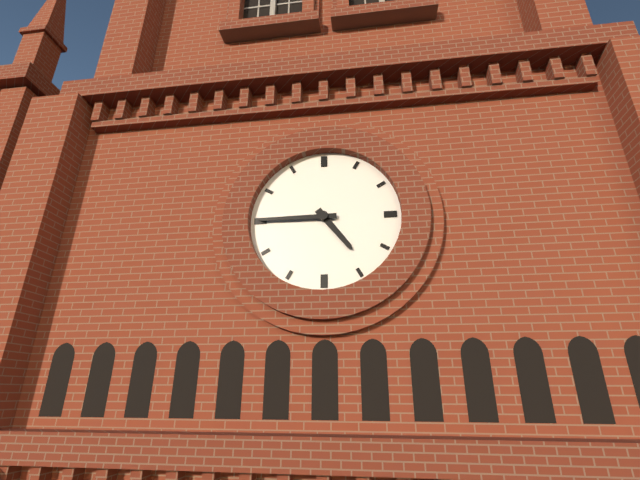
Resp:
4h45
